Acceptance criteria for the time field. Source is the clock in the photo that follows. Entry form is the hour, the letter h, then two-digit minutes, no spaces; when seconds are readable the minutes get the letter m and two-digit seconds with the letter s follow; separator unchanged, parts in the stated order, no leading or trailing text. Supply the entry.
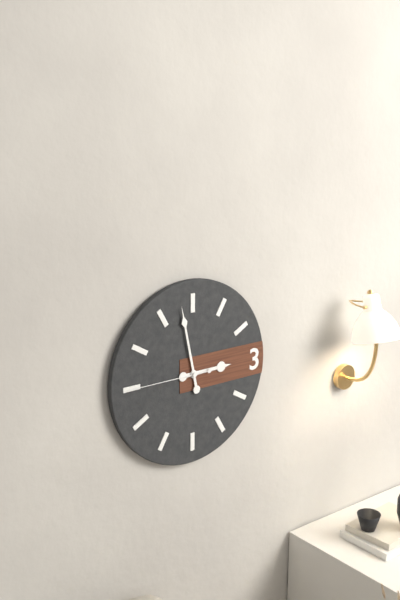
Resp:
2h58m45s
